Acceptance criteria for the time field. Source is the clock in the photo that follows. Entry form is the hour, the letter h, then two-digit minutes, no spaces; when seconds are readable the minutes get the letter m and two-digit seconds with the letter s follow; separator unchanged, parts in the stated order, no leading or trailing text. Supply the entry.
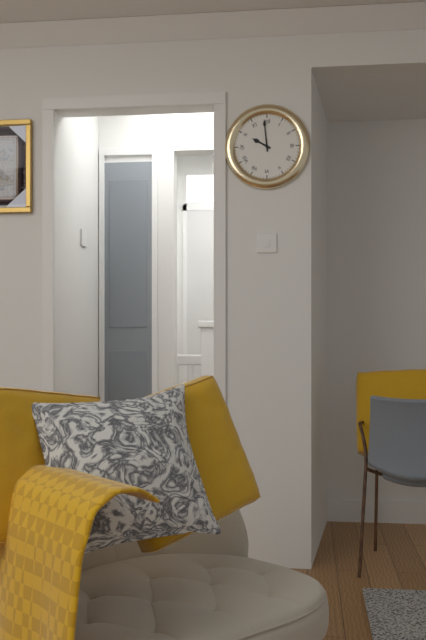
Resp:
9h59
